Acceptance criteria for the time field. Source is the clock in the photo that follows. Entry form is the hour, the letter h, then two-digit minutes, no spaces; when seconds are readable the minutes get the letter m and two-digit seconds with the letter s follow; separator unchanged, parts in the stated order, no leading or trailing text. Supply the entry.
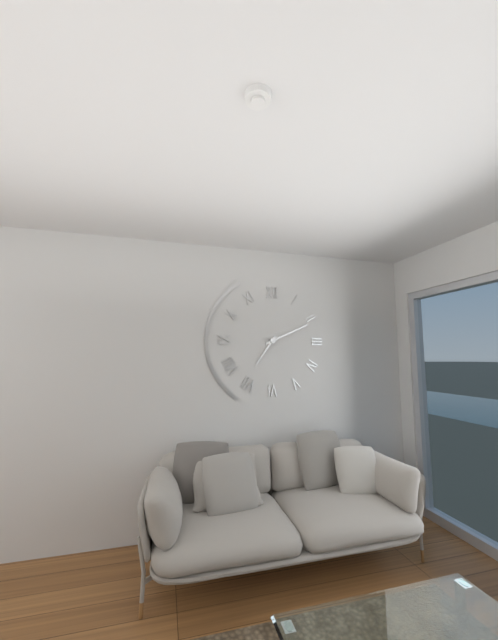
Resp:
7h11
